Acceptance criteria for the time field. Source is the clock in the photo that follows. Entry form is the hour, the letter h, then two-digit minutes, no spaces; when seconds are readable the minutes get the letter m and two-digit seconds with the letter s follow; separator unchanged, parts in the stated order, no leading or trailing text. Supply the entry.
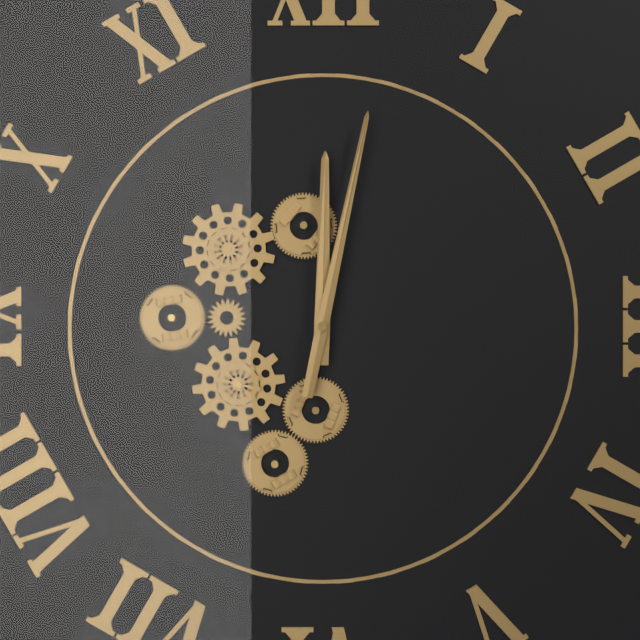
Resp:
12h02
